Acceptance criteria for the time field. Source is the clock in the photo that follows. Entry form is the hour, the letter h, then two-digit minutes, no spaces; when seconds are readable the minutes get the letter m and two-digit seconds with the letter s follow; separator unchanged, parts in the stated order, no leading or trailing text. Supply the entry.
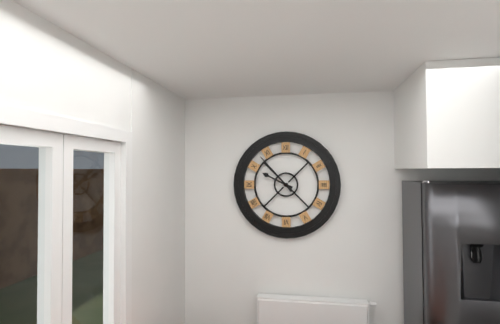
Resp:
9h53
